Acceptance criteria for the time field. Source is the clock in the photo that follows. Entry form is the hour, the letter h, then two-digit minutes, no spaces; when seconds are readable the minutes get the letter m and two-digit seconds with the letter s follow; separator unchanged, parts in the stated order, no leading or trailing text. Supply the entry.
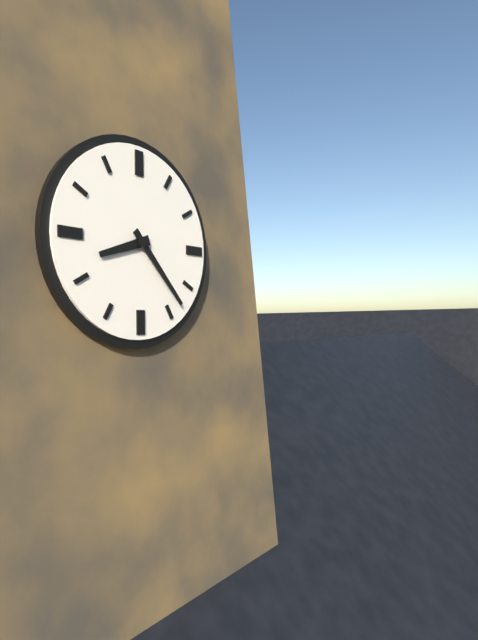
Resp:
8h23
